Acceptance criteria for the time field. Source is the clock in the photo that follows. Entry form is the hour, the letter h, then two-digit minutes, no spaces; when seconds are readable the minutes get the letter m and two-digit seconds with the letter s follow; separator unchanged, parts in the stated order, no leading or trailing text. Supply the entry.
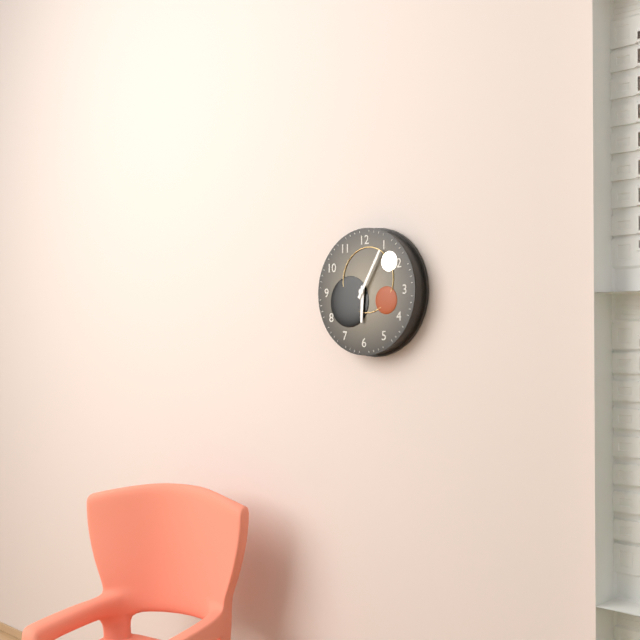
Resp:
6h05
